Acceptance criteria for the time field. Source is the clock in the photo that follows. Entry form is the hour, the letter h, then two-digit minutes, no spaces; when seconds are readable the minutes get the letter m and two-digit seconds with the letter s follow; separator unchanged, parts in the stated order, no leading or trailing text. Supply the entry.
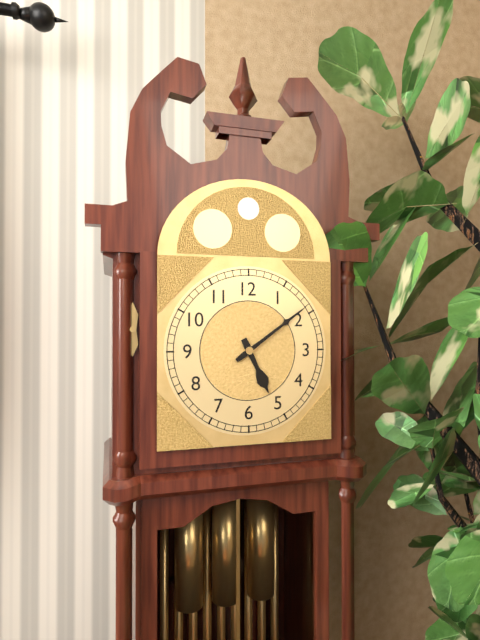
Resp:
5h09
